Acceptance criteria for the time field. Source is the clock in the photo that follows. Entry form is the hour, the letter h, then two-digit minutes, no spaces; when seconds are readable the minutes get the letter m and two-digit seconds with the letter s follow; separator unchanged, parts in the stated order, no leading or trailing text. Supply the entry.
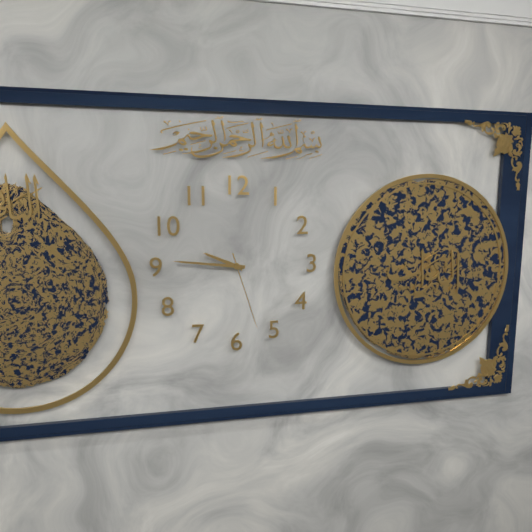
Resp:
9h46m27s
